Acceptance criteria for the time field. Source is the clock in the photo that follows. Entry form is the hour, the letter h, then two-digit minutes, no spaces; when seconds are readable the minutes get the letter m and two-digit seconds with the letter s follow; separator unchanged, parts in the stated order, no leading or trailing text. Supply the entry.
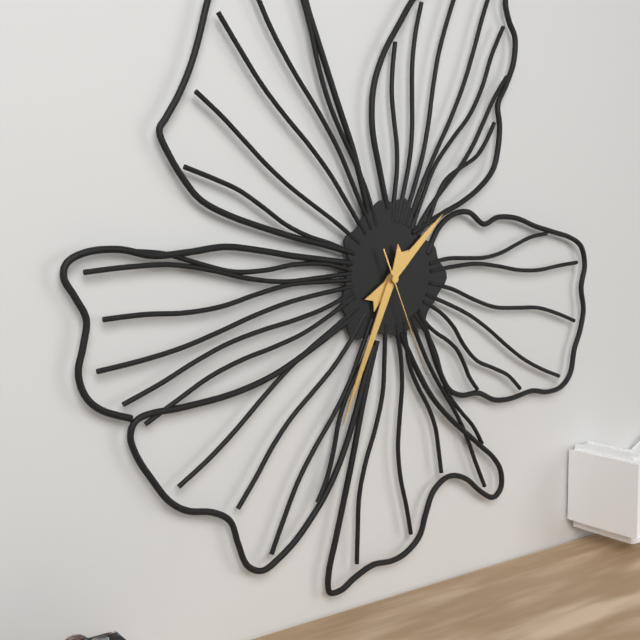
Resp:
1h34m26s
